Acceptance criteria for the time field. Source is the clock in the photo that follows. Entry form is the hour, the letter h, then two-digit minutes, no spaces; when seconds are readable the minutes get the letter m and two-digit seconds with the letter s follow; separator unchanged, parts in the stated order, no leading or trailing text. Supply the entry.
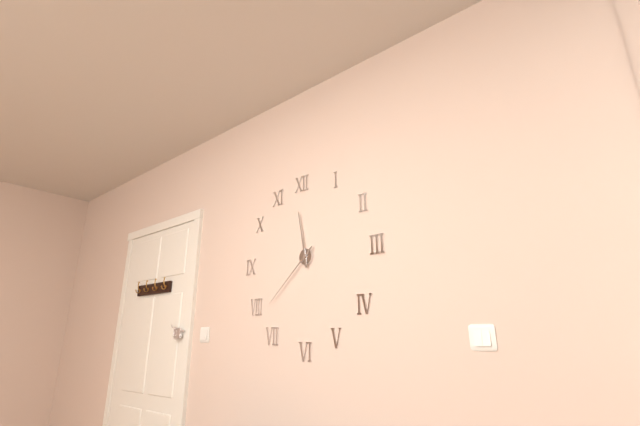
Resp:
11h38
